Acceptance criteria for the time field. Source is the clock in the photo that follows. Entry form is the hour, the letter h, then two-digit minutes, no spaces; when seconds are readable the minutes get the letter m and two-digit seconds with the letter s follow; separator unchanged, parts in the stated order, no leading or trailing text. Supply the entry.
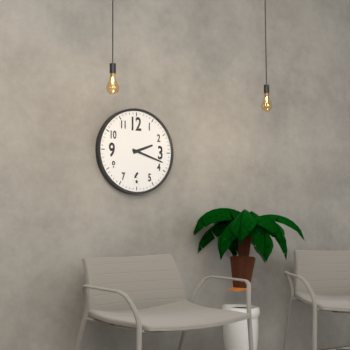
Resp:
2h18
